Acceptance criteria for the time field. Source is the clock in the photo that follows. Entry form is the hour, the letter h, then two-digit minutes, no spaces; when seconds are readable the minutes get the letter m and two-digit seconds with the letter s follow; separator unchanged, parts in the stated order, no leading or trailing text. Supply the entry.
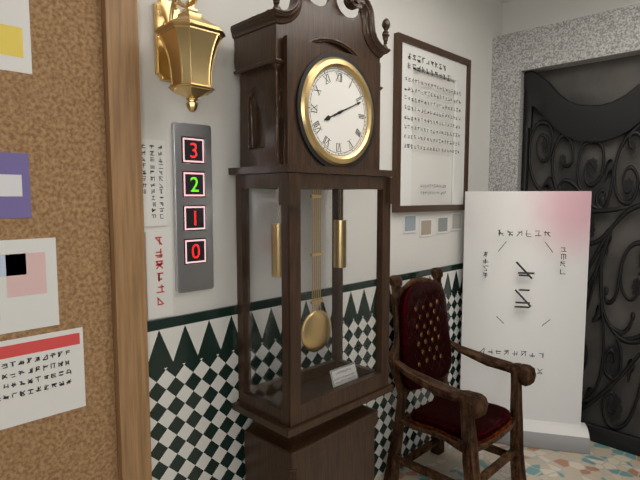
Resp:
8h11
